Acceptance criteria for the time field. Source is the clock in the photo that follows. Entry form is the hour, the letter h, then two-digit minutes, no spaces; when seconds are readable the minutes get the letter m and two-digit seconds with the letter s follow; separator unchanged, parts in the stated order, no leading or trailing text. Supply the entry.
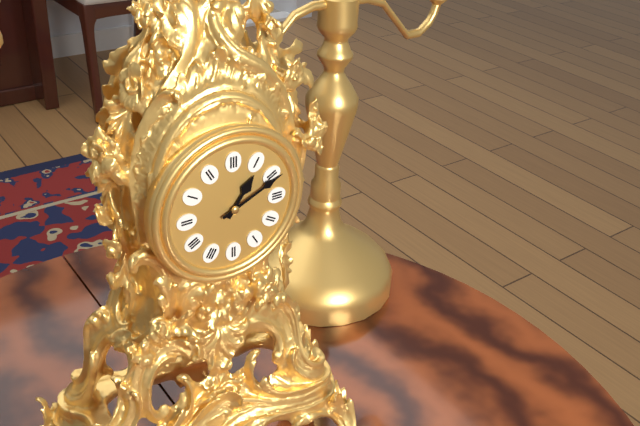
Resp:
1h11
